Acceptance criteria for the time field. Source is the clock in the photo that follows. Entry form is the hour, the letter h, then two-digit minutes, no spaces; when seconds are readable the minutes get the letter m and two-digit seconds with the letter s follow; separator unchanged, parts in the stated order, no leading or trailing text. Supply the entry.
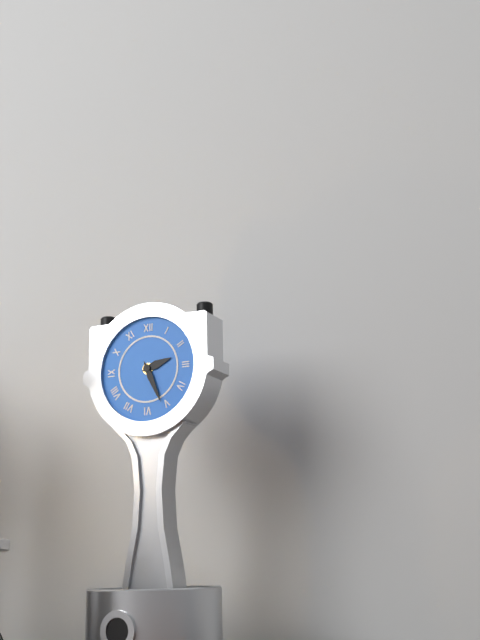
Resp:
2h26
